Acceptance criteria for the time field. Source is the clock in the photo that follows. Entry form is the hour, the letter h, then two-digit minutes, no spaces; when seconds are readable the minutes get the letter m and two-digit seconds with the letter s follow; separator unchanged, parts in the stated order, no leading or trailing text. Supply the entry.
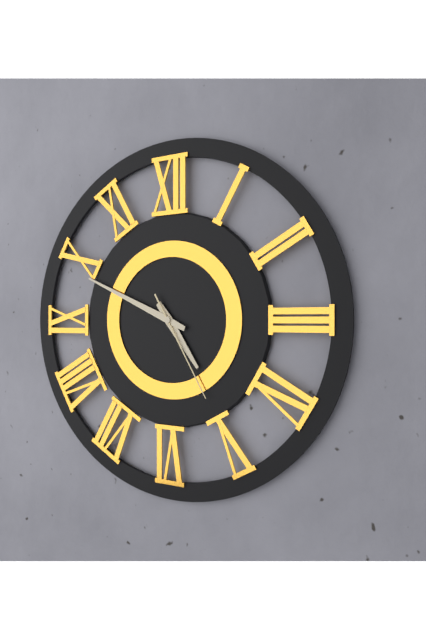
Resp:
4h49m25s
